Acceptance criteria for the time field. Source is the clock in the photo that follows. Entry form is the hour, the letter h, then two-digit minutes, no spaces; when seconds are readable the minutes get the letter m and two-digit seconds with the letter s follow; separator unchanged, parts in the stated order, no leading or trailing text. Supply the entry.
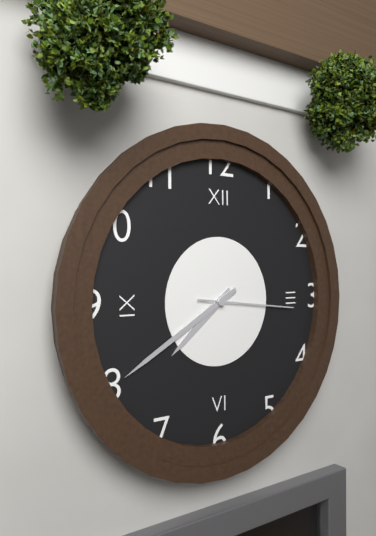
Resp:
7h40m16s
